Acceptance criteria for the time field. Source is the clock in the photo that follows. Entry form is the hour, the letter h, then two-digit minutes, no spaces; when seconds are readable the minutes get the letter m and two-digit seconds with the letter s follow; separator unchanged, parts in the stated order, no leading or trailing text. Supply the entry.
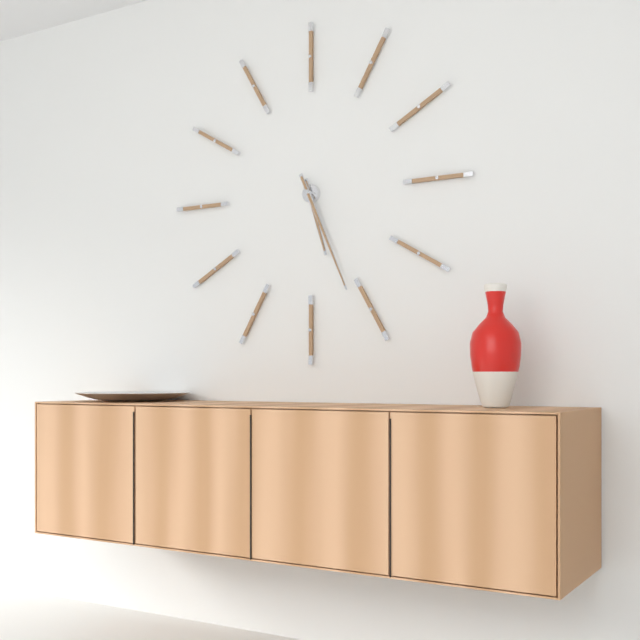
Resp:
5h26
